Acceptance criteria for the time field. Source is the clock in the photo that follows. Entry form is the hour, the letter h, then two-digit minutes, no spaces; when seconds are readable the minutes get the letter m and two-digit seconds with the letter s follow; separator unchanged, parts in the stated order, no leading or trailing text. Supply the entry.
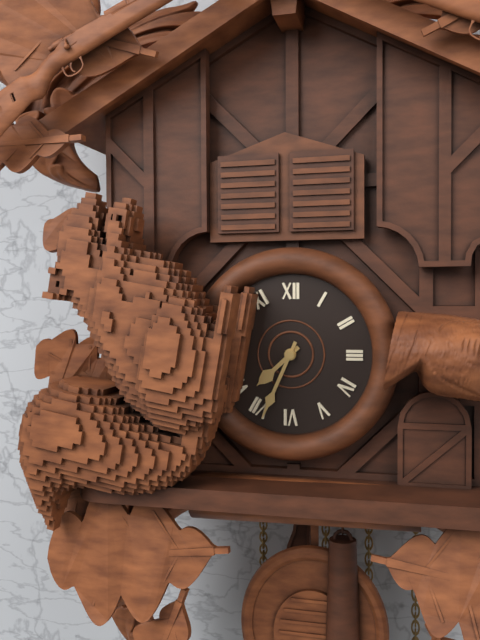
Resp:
7h34
